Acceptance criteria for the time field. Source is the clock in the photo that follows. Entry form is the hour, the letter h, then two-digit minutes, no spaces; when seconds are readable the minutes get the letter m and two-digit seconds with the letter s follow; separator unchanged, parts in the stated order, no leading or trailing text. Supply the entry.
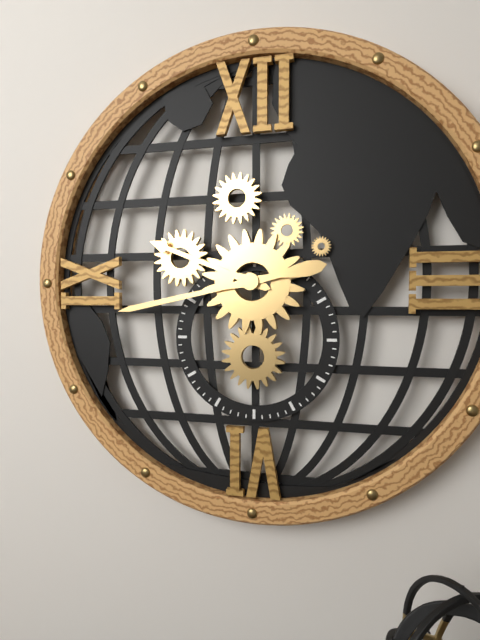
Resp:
9h43
